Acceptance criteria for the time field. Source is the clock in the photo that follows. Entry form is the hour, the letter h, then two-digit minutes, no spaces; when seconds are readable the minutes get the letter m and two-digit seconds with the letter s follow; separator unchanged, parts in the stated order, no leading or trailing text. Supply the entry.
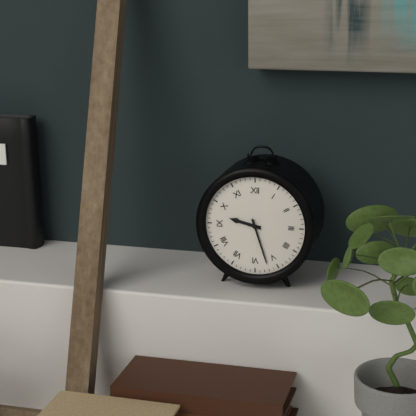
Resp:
9h27
